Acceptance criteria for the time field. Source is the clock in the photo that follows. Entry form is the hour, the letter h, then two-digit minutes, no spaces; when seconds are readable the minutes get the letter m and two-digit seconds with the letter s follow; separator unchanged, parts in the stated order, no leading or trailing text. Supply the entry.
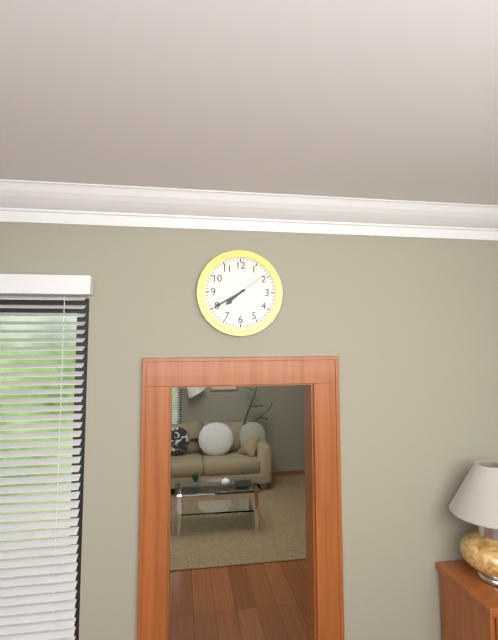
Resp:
7h40
